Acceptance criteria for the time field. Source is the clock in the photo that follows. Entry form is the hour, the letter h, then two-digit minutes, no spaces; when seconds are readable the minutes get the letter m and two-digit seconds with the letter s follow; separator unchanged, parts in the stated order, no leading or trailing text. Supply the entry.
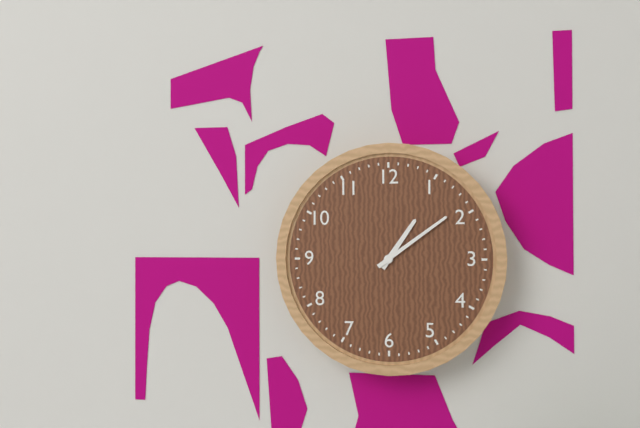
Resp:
1h09
